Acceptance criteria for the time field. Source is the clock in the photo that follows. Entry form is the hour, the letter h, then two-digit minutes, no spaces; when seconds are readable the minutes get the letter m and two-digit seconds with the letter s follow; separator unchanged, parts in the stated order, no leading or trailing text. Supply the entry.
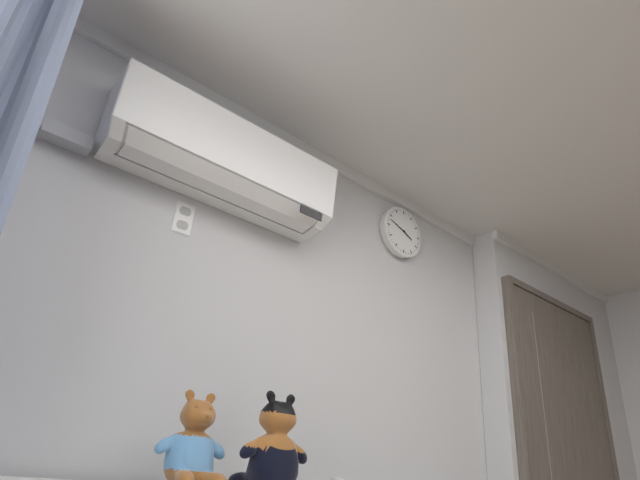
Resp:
3h48
